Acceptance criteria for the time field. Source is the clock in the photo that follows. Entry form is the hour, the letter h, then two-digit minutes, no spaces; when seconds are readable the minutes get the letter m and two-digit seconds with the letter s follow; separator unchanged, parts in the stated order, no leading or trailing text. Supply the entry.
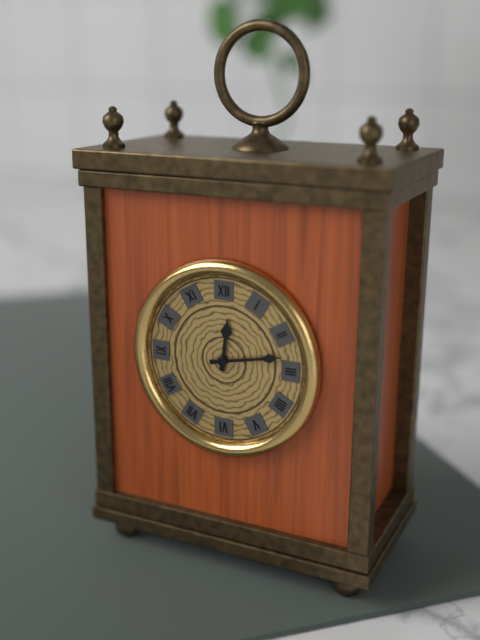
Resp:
12h13
